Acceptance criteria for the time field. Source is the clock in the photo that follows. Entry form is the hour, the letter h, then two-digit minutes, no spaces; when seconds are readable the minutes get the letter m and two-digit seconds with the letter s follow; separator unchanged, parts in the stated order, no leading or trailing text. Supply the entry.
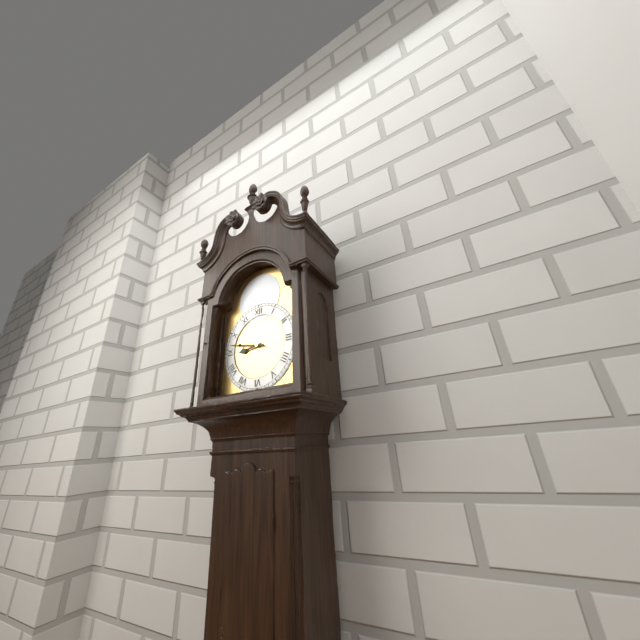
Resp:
8h47
